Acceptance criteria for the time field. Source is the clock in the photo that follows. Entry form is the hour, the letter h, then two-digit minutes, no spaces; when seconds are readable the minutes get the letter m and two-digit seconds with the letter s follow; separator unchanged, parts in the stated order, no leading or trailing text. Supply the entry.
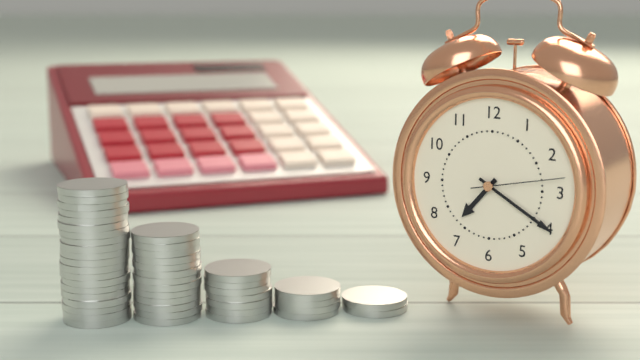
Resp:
7h20m13s
